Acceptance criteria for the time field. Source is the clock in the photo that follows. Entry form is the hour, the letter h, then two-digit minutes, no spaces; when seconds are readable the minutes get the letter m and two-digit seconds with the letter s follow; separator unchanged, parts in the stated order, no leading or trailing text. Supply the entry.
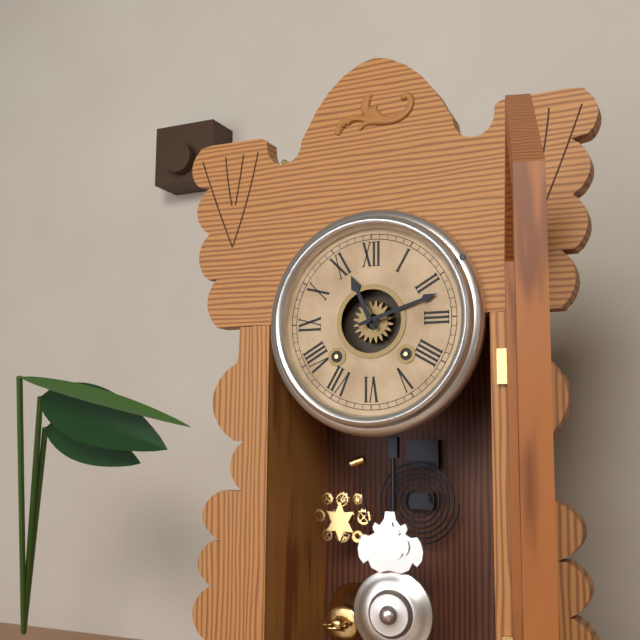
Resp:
11h12
